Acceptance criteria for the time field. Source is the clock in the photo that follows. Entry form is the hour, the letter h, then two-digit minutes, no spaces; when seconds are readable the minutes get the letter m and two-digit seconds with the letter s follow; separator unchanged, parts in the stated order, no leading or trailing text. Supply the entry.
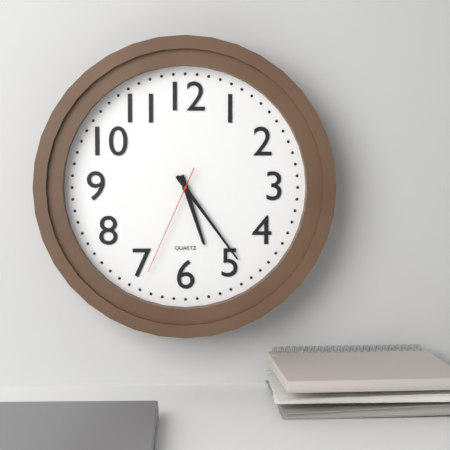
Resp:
5h24m34s
